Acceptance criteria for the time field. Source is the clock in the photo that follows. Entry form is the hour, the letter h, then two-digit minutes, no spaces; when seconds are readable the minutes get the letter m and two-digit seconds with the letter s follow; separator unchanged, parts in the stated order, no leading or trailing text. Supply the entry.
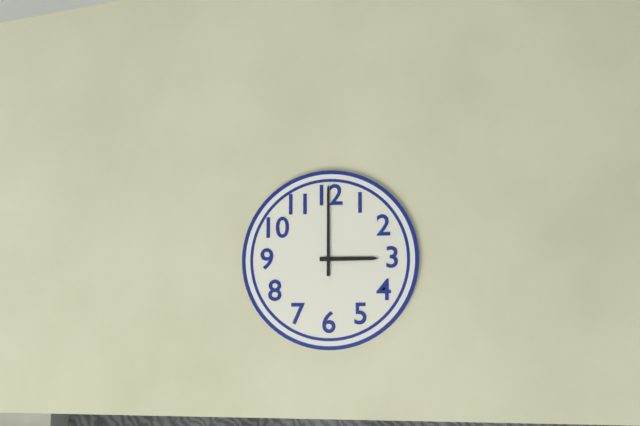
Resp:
3h00
